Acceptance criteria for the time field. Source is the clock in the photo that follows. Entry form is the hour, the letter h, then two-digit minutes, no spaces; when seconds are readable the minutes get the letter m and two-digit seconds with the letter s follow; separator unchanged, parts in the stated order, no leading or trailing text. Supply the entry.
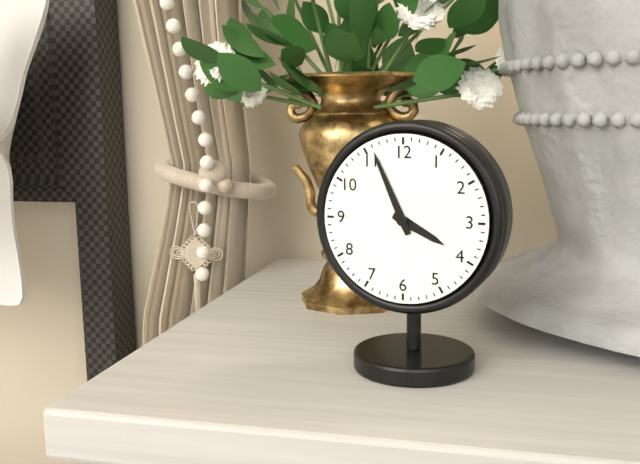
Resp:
3h56
